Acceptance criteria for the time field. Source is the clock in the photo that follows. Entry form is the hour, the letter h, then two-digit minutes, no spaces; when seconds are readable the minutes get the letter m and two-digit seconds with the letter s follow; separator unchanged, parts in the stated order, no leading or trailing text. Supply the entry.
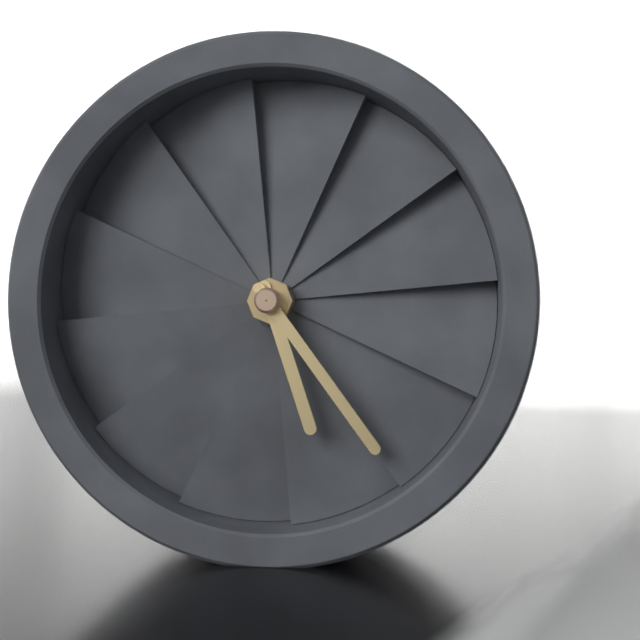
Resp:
5h24
